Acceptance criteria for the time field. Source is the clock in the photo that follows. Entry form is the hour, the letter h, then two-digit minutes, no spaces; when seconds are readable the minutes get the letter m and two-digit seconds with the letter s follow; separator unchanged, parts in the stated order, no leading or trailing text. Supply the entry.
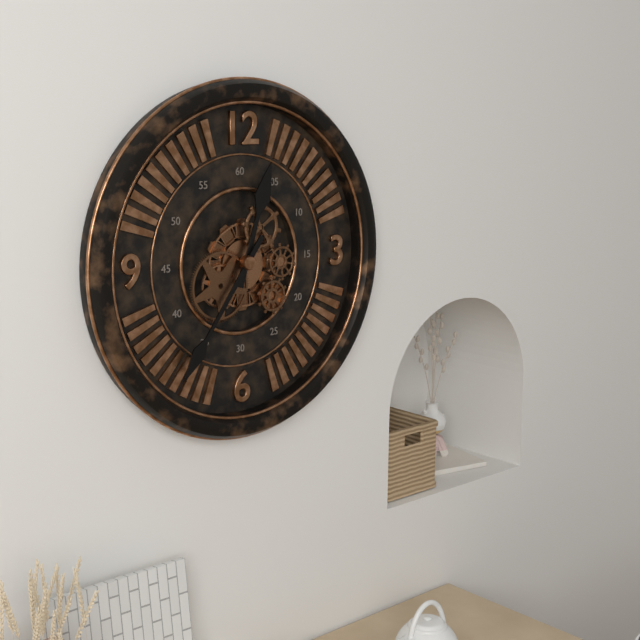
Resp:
12h36
